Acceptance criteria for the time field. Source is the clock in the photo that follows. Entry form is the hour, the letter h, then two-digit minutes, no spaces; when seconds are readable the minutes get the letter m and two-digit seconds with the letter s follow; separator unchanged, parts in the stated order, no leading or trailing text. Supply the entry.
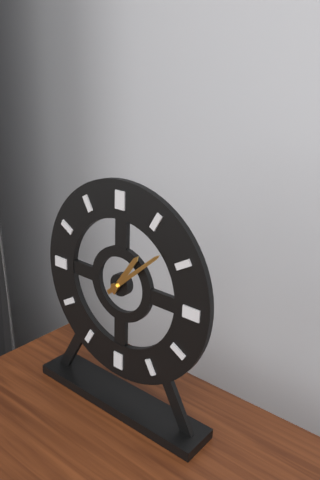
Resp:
1h08
